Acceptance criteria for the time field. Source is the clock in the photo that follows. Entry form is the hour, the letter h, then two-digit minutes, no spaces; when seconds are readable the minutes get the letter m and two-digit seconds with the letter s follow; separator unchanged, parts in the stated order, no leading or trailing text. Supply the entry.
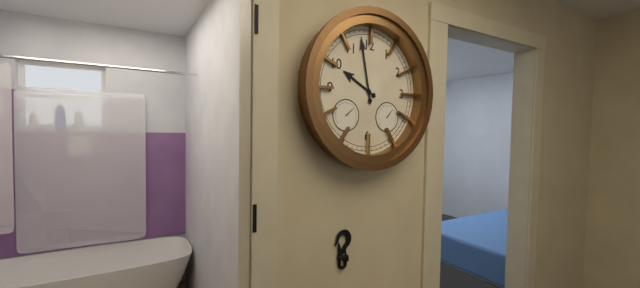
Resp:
9h58
